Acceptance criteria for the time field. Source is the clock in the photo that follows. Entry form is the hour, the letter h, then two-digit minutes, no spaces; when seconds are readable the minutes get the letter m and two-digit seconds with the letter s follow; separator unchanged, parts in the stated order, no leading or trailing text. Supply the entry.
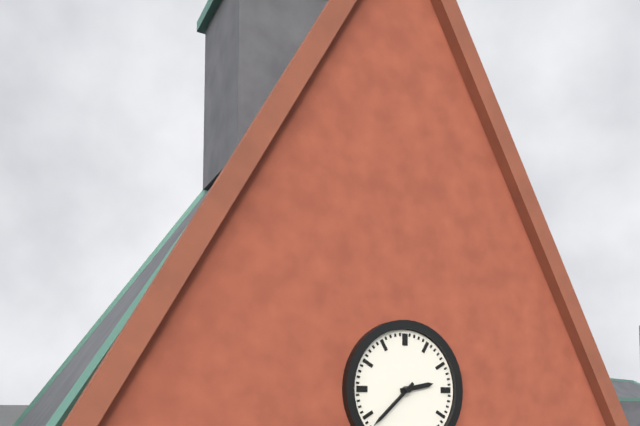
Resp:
2h38
